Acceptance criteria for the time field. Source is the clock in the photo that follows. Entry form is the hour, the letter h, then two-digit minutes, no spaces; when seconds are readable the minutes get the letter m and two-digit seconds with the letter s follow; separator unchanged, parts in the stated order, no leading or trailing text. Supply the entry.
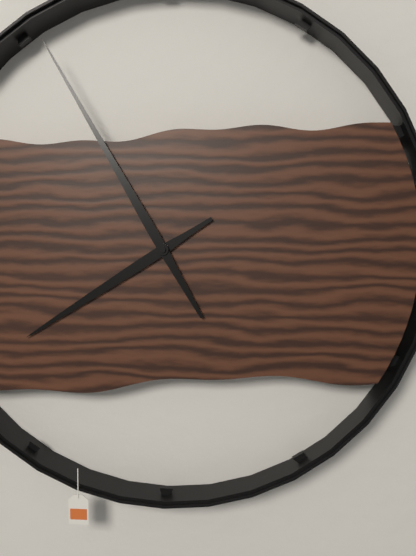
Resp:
7h55
